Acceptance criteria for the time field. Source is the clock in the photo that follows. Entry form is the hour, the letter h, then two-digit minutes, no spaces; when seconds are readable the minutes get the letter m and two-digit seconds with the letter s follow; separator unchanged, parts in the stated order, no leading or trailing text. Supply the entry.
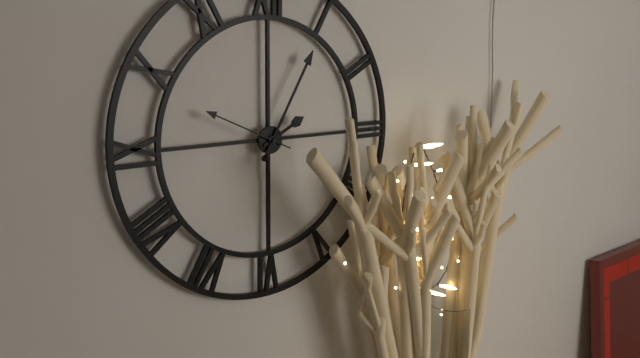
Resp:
2h05m49s
